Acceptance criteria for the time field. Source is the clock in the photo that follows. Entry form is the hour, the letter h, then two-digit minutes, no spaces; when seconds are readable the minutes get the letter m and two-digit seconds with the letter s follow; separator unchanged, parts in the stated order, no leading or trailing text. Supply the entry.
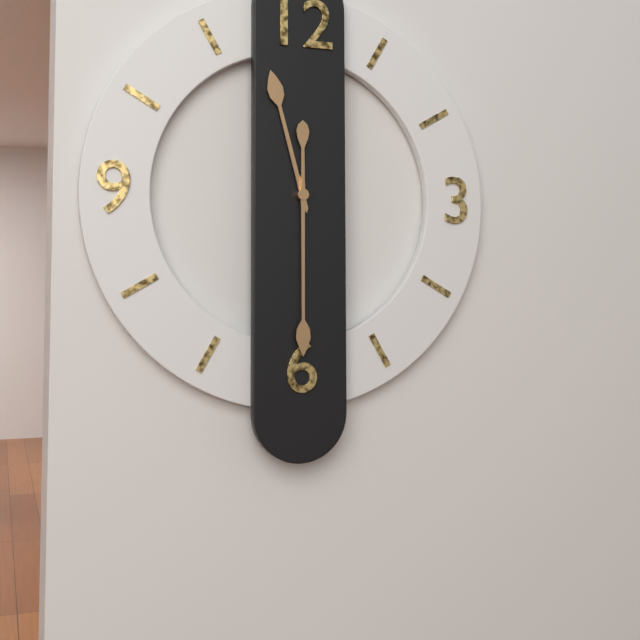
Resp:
11h30
